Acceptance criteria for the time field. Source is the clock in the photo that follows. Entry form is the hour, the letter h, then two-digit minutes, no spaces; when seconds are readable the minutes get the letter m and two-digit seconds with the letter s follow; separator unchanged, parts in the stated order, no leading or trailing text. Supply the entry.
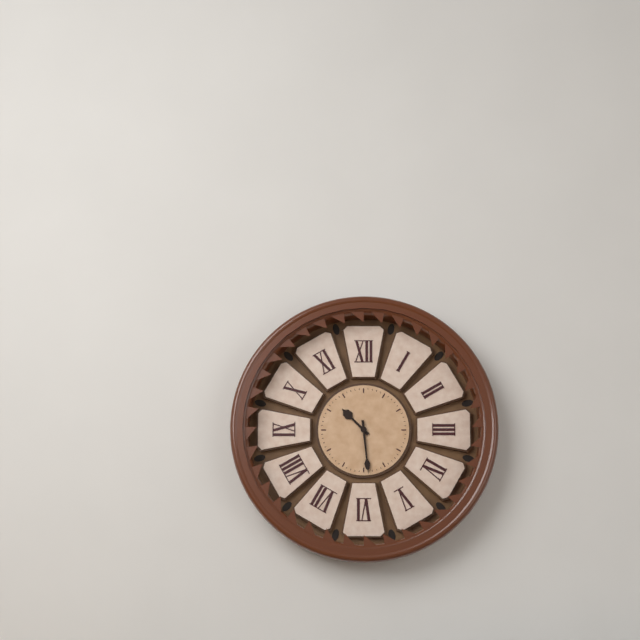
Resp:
10h29
